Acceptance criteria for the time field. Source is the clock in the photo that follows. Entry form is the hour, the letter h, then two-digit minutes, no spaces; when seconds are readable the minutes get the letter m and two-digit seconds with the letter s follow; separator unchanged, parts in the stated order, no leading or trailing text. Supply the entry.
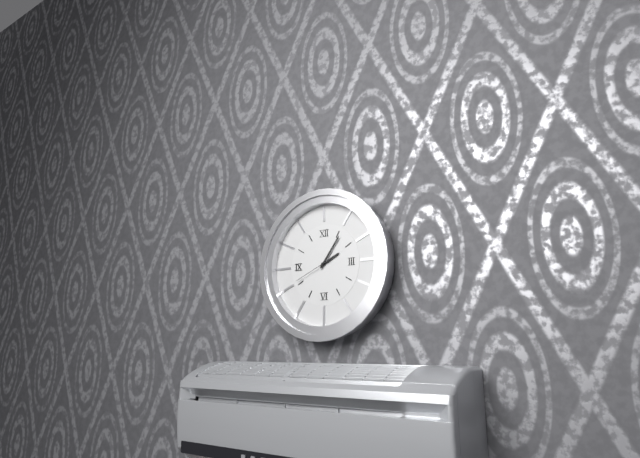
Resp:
2h06
